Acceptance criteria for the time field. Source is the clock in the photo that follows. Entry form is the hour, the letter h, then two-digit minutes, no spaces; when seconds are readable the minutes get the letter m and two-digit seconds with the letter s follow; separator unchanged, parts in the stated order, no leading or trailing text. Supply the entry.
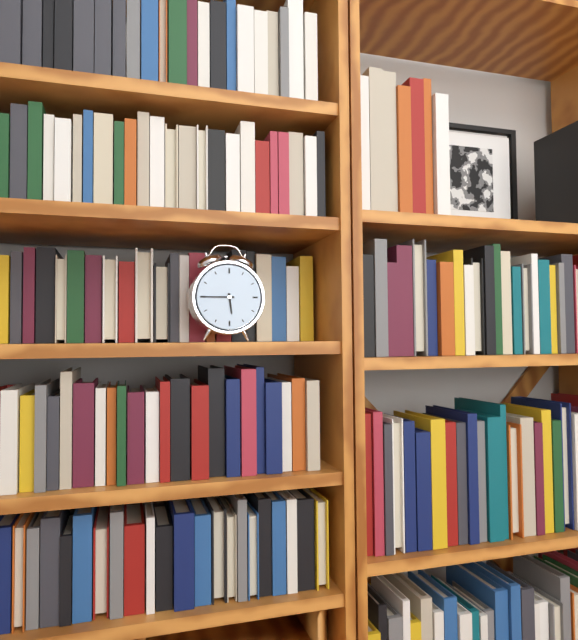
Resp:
5h45
